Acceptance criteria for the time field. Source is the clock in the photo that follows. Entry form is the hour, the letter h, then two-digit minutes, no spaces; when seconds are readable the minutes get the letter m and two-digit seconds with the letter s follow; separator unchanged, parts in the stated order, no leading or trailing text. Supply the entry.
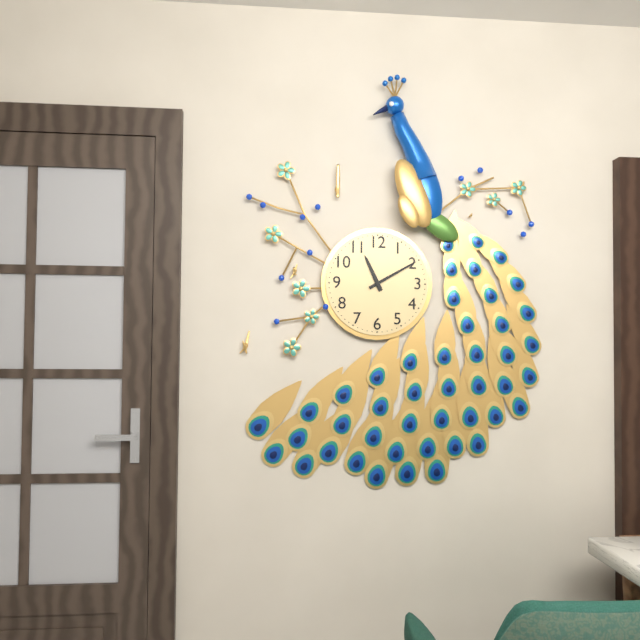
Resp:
11h10
